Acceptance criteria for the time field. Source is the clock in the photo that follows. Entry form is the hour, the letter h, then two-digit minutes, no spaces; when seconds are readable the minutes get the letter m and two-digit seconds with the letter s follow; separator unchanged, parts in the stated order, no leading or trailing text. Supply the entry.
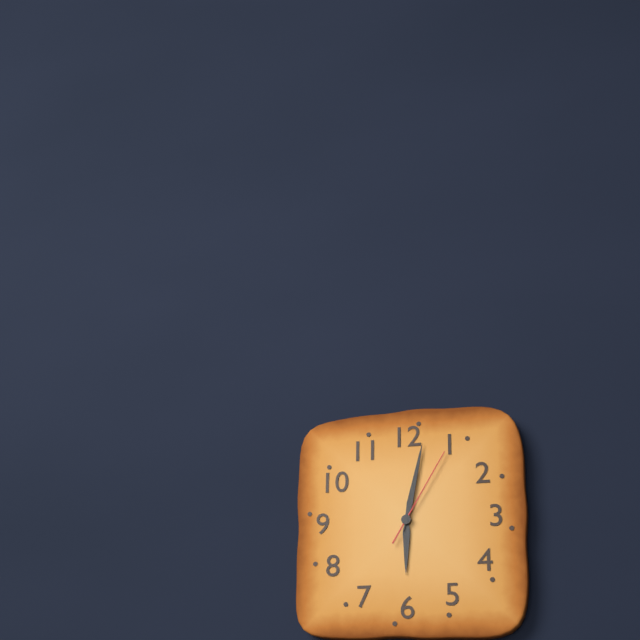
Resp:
6h02m05s
